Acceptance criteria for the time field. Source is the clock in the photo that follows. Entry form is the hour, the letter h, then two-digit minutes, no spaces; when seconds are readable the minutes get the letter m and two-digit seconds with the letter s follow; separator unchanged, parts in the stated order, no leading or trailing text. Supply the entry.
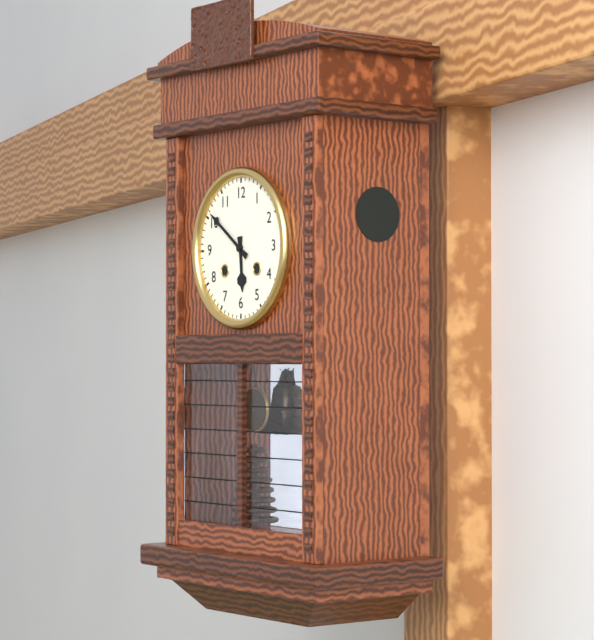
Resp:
5h51
